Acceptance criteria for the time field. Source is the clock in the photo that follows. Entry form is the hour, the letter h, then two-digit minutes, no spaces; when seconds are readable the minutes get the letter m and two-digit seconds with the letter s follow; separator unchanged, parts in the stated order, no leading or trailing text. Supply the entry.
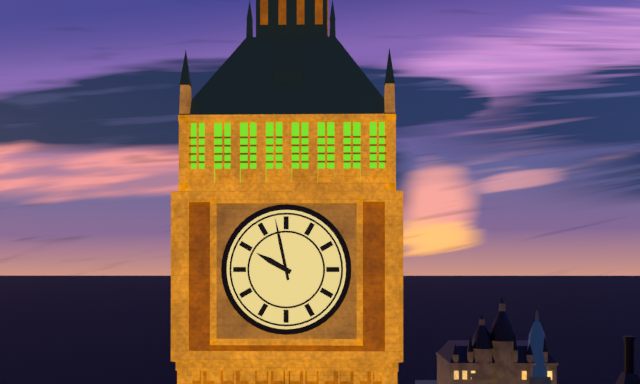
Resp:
9h58
